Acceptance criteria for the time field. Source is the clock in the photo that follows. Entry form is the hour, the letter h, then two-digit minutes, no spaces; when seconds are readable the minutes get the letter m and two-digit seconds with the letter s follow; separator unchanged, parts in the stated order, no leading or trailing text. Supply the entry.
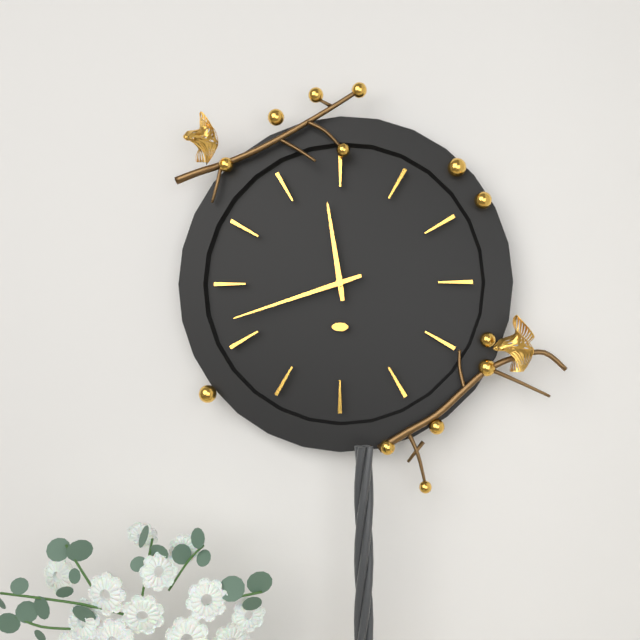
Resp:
11h42
